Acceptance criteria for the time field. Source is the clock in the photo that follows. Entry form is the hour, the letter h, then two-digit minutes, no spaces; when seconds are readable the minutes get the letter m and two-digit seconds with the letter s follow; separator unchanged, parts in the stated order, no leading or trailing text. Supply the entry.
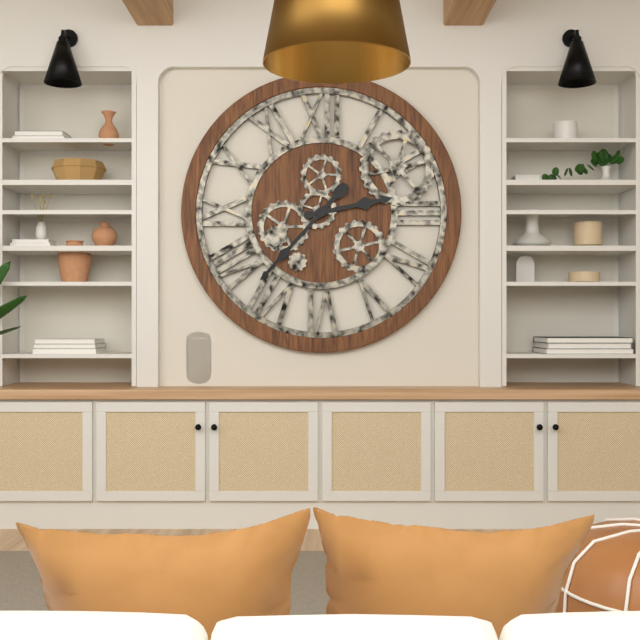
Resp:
2h37
